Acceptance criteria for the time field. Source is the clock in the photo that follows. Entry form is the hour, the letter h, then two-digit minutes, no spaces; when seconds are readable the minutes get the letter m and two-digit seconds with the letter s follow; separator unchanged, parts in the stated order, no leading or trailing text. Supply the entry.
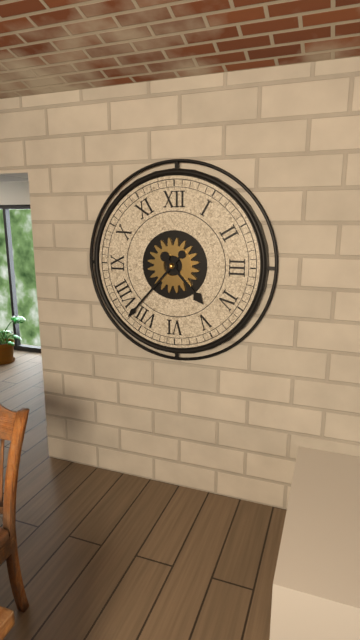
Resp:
4h37
